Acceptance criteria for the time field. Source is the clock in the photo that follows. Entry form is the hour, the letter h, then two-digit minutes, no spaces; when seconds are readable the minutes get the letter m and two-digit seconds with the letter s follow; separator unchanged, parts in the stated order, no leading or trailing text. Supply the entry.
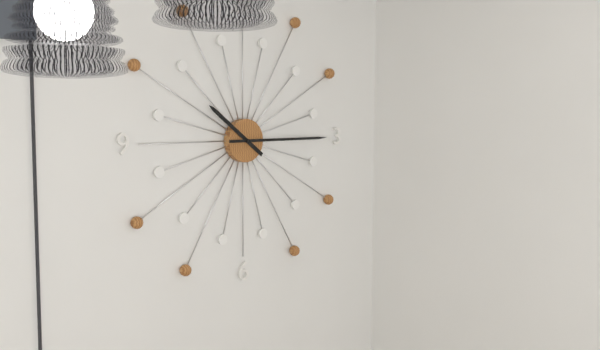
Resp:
10h15
